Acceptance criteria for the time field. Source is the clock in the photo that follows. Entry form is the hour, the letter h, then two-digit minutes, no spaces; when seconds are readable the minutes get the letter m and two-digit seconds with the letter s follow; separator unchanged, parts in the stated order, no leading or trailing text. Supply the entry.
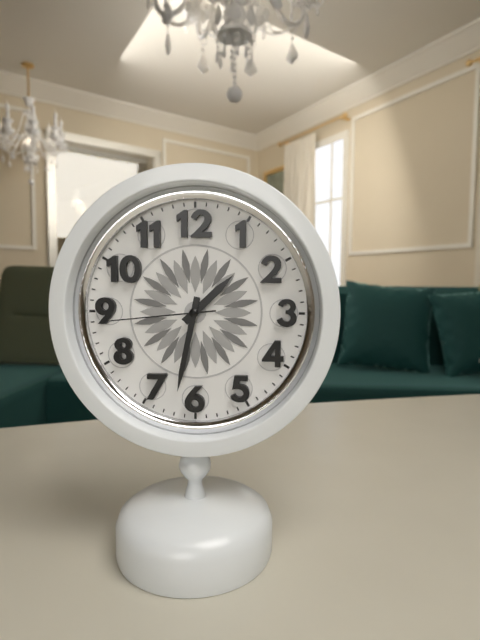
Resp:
1h32m44s
